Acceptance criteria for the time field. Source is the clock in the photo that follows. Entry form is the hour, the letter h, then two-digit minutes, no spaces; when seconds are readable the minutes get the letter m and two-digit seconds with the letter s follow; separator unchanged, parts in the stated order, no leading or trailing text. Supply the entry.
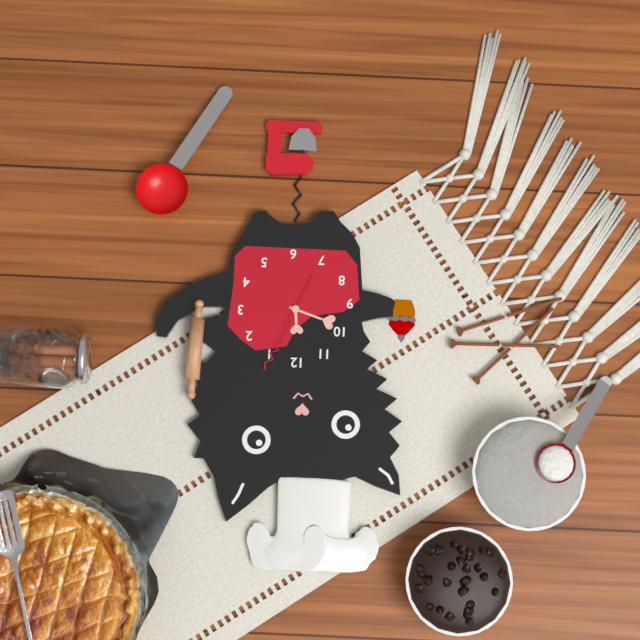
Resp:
11h48m04s
